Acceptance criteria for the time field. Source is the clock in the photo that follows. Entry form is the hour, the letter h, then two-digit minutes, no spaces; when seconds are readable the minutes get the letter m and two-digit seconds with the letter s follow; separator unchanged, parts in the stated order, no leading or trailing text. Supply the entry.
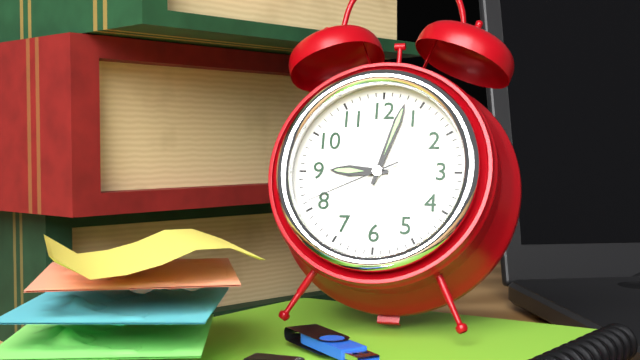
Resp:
9h03m41s
